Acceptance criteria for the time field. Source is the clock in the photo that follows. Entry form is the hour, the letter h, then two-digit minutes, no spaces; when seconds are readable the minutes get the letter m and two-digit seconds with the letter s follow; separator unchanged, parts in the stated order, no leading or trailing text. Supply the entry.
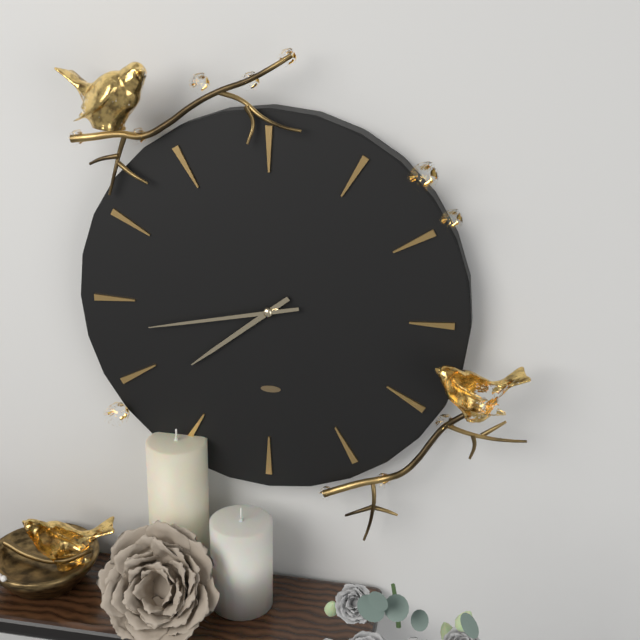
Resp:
7h43
